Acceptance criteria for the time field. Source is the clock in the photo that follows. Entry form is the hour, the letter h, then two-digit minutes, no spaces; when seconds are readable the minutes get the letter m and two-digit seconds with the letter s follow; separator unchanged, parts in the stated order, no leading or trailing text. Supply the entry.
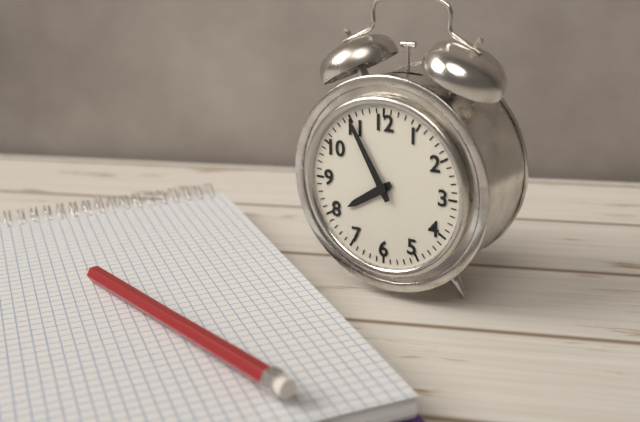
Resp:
7h55
